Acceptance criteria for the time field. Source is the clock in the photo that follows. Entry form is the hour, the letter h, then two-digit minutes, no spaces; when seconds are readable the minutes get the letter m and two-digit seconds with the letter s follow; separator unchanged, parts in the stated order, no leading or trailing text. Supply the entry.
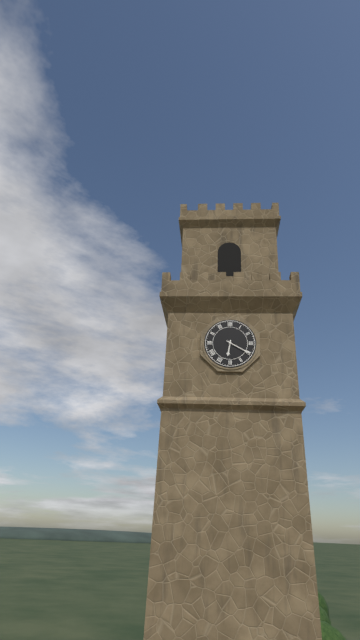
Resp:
6h20
